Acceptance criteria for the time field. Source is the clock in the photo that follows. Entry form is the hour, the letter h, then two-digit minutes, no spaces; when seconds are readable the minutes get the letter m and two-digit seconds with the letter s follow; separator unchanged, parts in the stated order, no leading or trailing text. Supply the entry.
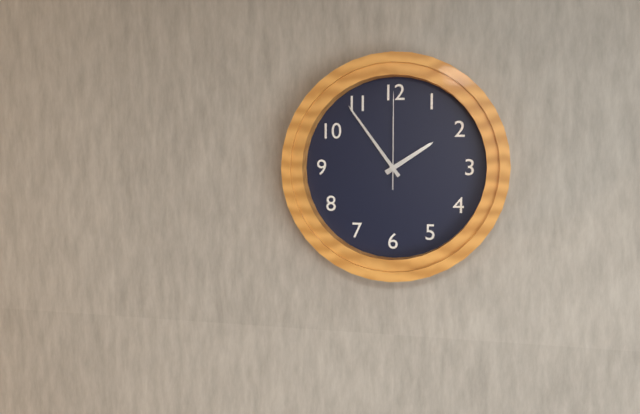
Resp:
1h54m00s
